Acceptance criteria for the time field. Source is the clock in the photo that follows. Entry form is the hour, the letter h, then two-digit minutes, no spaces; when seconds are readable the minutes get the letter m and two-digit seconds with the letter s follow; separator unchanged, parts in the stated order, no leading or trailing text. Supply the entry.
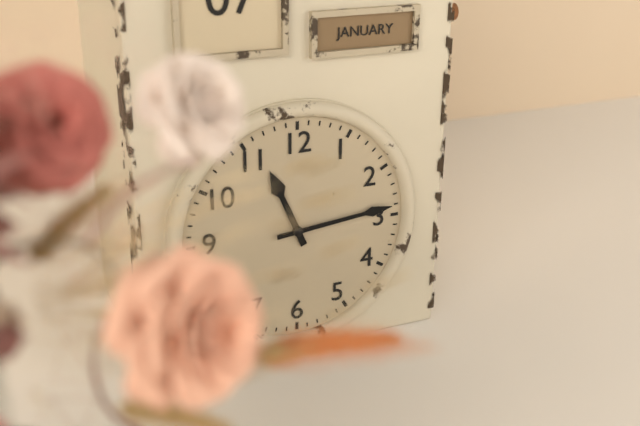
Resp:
11h14
